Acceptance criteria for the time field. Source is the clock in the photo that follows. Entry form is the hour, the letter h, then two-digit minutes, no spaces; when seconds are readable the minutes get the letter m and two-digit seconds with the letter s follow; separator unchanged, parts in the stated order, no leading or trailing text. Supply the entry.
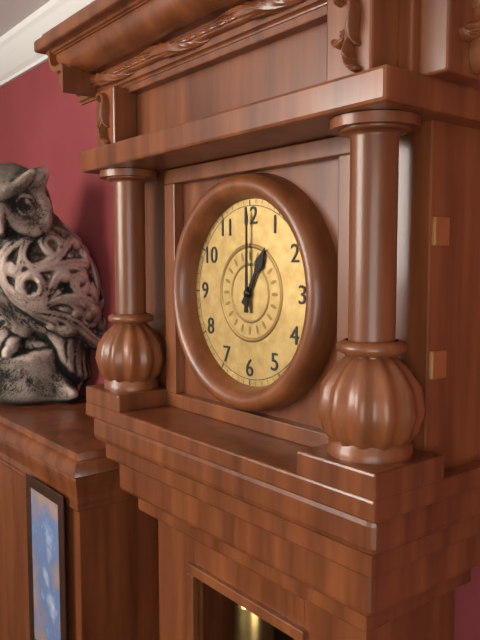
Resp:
1h00
